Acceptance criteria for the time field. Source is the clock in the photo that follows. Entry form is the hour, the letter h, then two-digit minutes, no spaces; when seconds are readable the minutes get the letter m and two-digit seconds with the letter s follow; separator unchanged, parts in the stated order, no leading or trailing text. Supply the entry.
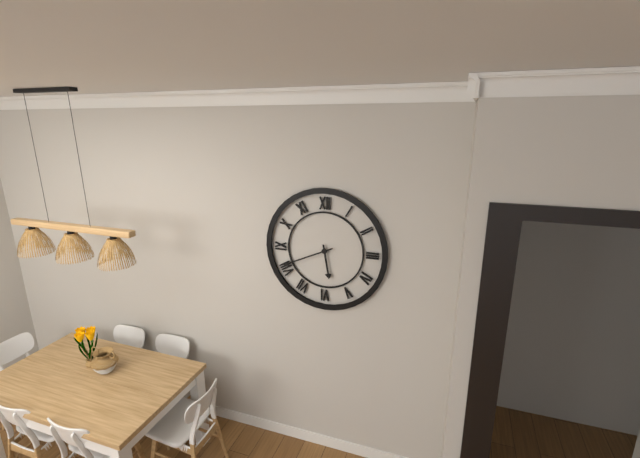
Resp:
5h41
